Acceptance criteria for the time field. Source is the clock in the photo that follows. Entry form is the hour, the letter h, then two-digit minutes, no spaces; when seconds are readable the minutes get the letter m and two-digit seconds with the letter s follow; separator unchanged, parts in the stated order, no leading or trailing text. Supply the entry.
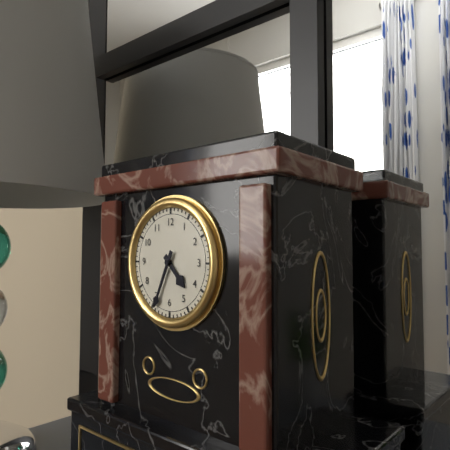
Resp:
4h34
